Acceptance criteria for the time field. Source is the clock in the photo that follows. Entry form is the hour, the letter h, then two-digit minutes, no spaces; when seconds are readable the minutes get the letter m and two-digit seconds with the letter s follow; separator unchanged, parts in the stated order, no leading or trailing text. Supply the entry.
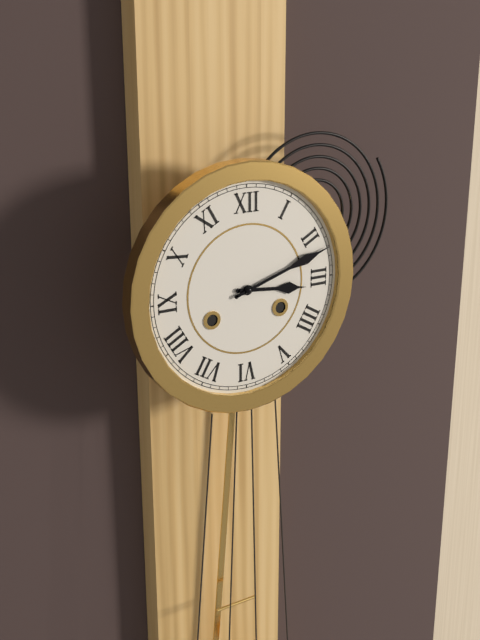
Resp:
3h12
